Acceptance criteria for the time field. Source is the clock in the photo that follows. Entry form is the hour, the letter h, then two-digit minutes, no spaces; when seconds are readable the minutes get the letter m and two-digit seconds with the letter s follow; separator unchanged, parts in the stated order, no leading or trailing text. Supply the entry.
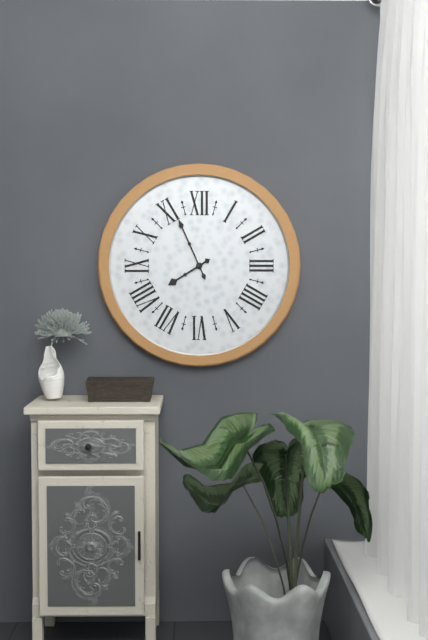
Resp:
7h56
